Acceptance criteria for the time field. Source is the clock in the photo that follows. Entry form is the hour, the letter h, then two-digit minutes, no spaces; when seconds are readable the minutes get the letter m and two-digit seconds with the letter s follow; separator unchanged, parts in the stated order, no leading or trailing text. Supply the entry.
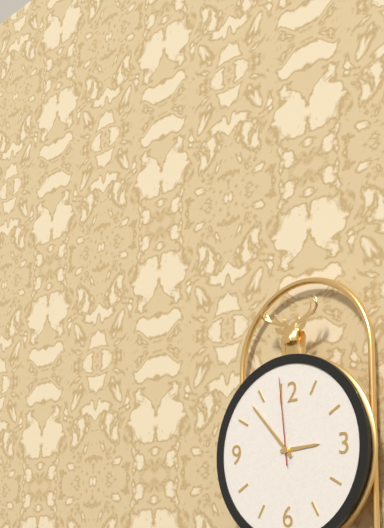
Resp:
2h53m59s
